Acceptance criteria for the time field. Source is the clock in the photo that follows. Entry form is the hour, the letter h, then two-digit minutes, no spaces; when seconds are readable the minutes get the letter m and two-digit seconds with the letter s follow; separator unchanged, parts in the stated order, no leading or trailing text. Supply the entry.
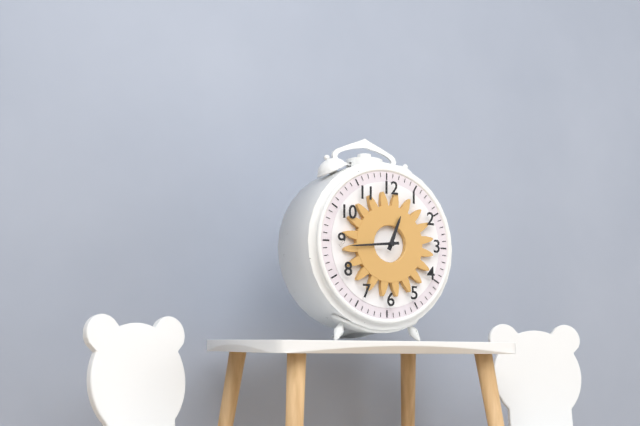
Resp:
12h44
